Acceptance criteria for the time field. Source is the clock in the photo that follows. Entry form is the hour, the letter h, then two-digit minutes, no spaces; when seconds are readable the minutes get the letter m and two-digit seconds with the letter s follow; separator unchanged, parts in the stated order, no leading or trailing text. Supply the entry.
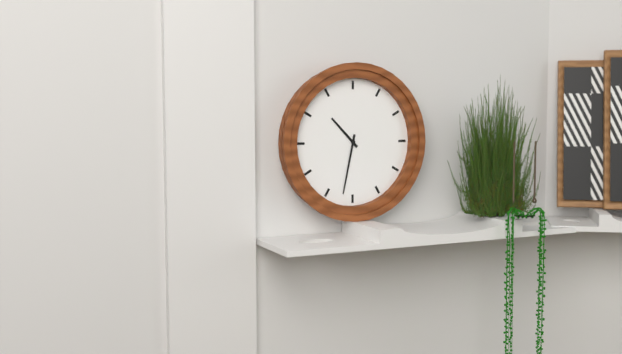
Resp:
10h32
